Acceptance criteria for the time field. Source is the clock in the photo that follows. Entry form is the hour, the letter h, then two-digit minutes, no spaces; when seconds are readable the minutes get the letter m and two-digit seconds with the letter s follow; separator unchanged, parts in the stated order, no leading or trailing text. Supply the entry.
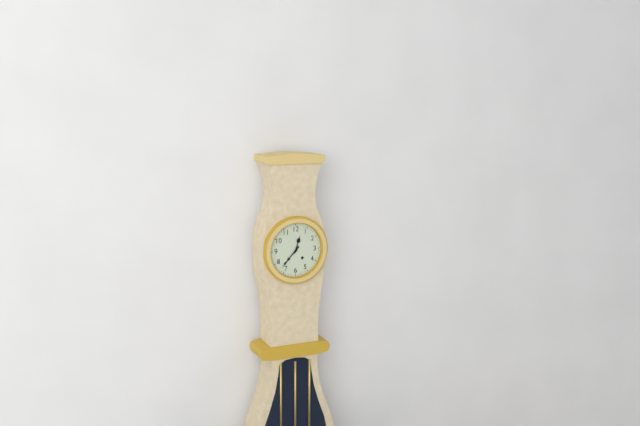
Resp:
12h37
